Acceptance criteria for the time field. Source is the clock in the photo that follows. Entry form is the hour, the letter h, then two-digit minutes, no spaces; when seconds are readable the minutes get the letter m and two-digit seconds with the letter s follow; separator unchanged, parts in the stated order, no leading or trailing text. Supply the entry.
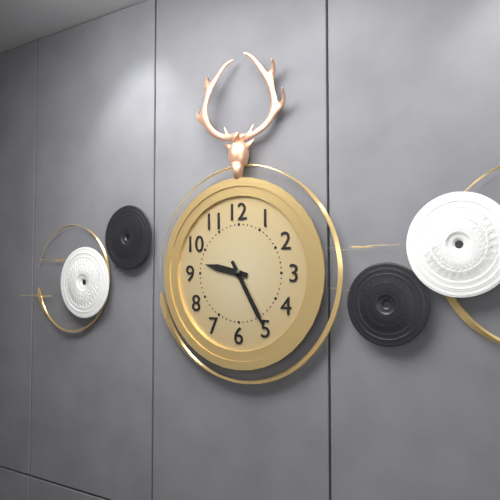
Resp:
9h25
